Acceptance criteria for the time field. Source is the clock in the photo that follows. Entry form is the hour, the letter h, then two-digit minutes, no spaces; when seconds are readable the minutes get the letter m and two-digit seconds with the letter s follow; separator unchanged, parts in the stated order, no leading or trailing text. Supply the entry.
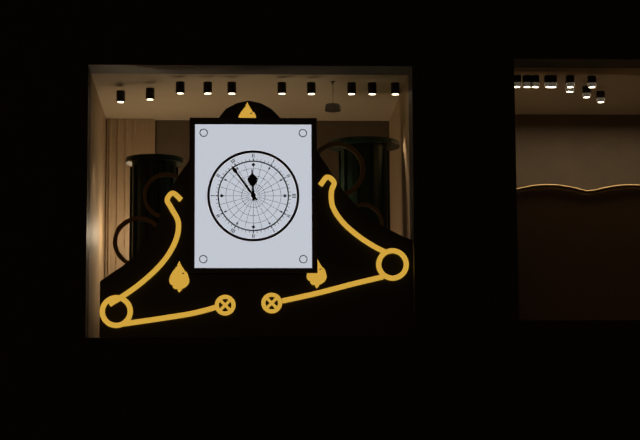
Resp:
11h54
